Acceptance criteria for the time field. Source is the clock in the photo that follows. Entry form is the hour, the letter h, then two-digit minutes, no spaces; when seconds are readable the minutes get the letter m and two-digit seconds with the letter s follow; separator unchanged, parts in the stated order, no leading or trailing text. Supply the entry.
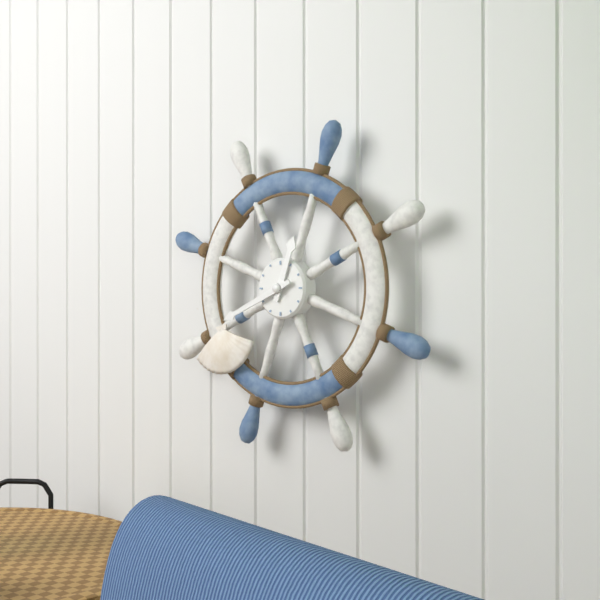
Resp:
12h41
